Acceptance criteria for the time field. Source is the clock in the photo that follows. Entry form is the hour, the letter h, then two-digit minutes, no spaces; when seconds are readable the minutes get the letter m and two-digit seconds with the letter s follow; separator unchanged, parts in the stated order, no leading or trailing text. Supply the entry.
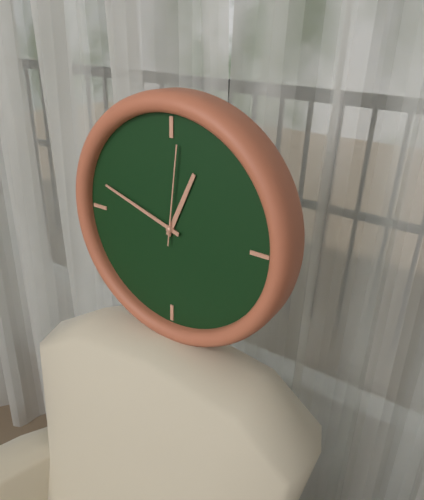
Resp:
12h48m01s
